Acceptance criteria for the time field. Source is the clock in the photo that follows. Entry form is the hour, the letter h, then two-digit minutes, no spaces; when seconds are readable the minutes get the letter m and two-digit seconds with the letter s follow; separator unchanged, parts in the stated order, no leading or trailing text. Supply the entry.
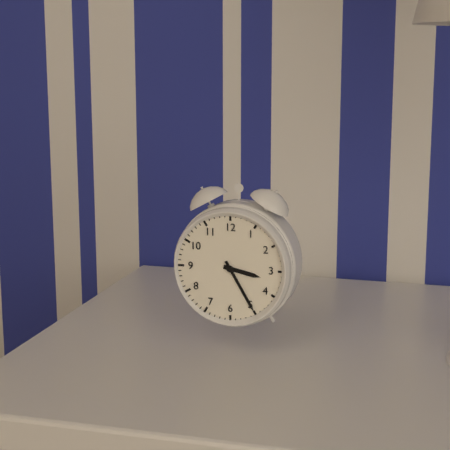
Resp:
3h25
